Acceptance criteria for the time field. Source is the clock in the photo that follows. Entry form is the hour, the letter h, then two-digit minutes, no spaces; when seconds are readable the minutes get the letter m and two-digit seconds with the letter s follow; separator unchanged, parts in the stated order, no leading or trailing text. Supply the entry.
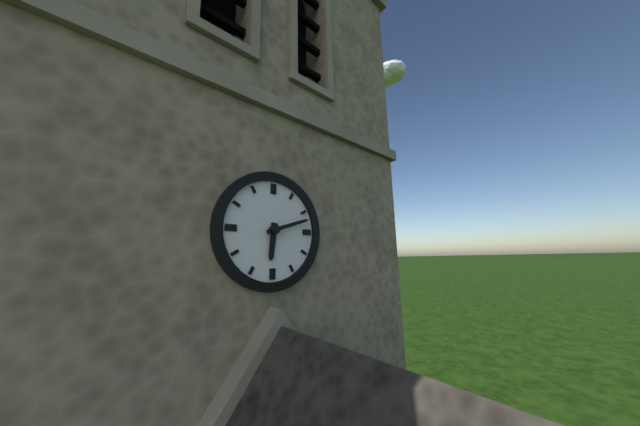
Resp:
6h12
